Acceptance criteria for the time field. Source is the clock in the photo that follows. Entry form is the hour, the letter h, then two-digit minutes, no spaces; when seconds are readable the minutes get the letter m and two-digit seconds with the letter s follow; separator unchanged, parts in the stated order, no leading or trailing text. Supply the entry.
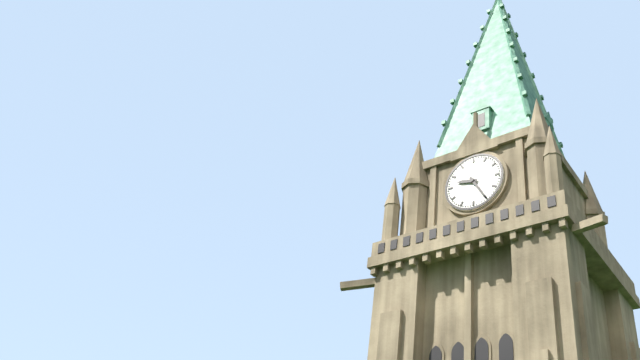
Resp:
9h25
